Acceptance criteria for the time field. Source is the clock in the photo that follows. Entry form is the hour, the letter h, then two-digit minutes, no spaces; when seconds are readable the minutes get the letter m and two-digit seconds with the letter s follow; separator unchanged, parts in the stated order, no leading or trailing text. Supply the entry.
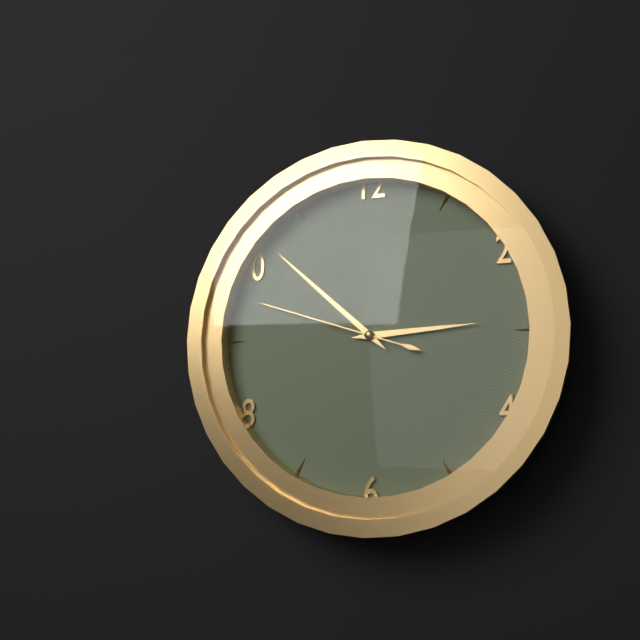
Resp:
2h52m48s
